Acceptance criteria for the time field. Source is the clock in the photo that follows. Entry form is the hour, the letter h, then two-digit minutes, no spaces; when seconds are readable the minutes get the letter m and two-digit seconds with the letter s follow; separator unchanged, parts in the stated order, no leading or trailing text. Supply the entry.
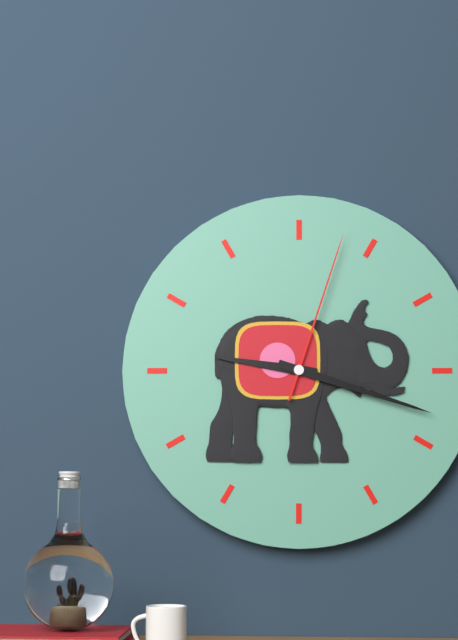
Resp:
9h18m03s
